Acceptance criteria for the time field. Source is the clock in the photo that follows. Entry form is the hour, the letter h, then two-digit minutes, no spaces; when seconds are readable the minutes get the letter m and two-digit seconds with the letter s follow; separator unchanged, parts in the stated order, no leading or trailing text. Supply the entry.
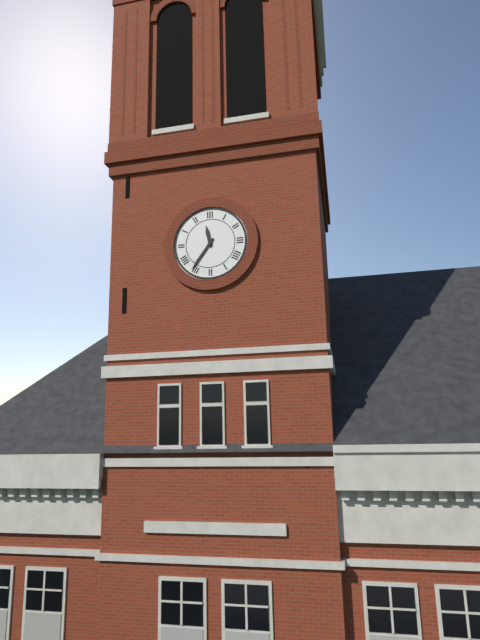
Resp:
11h36
